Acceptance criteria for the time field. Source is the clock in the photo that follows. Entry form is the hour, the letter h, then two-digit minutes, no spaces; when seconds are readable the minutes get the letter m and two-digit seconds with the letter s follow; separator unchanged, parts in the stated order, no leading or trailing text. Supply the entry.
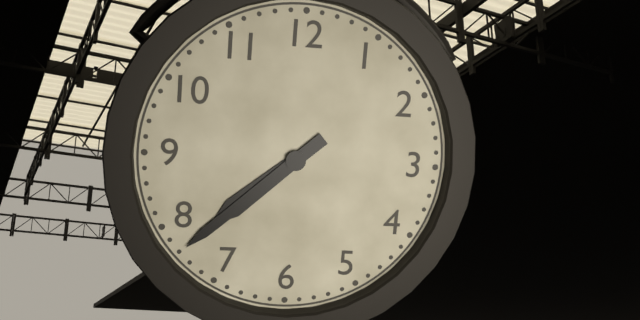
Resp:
7h38
